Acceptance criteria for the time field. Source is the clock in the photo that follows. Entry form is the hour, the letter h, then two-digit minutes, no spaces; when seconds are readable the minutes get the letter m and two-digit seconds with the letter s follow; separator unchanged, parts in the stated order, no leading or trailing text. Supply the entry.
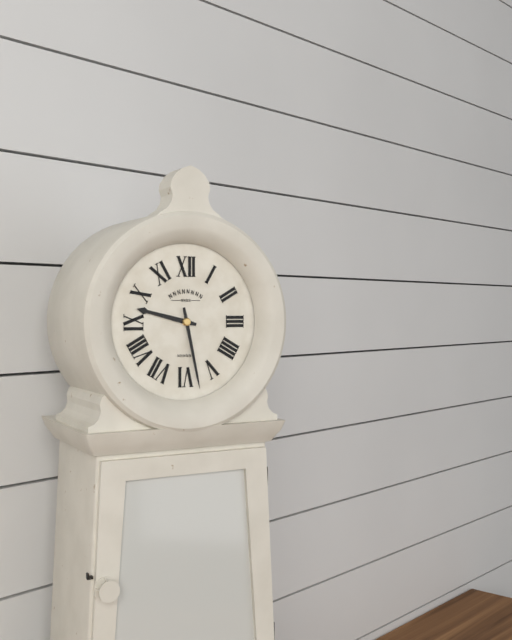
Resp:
9h28
